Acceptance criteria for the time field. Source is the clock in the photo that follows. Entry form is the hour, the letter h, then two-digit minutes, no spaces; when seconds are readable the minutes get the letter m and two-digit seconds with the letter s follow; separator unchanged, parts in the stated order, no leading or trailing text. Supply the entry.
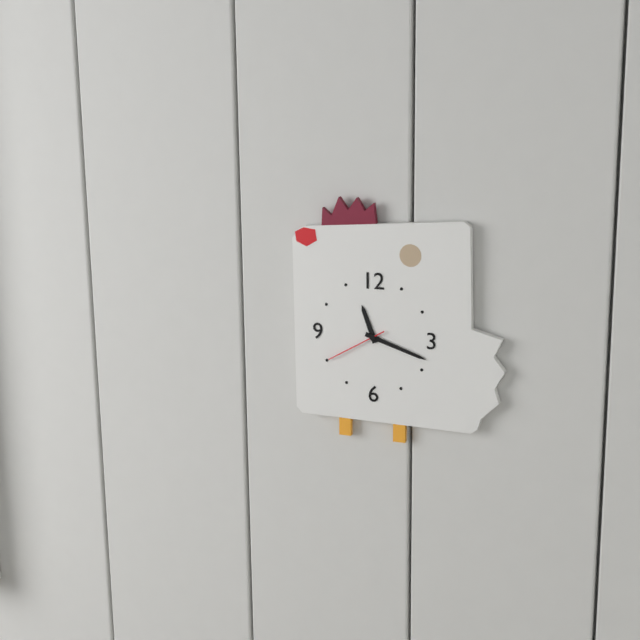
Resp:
11h18m40s
